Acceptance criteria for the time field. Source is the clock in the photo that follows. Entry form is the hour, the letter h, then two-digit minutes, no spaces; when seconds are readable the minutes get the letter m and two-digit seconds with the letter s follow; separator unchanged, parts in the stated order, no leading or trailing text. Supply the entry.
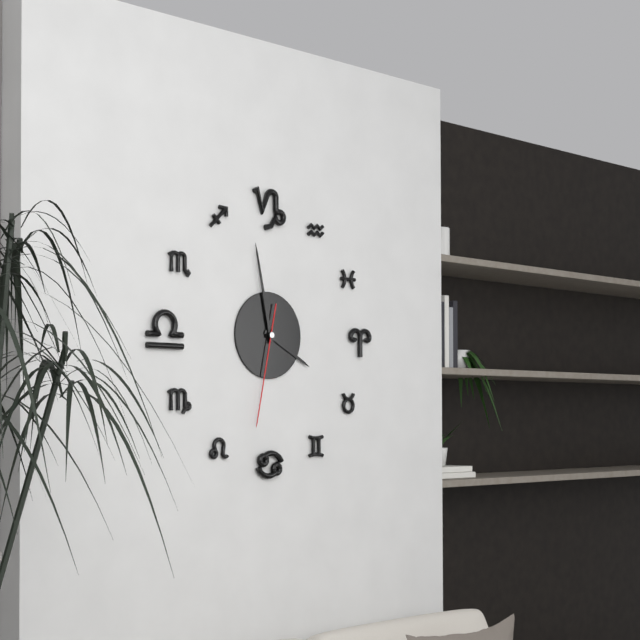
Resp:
3h58m32s
